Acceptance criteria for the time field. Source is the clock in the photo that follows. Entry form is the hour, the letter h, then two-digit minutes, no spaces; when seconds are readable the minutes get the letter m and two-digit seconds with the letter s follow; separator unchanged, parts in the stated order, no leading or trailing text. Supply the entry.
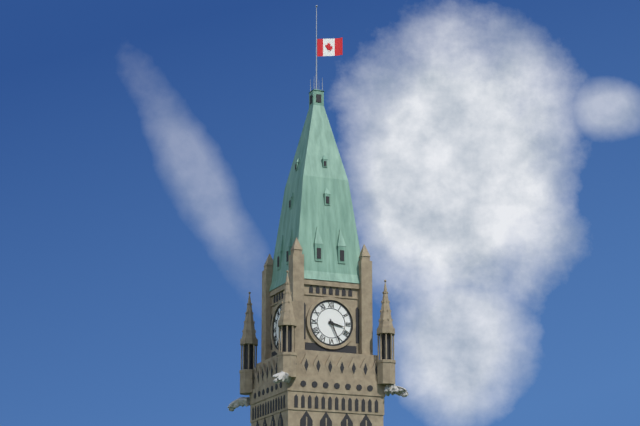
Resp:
3h26
